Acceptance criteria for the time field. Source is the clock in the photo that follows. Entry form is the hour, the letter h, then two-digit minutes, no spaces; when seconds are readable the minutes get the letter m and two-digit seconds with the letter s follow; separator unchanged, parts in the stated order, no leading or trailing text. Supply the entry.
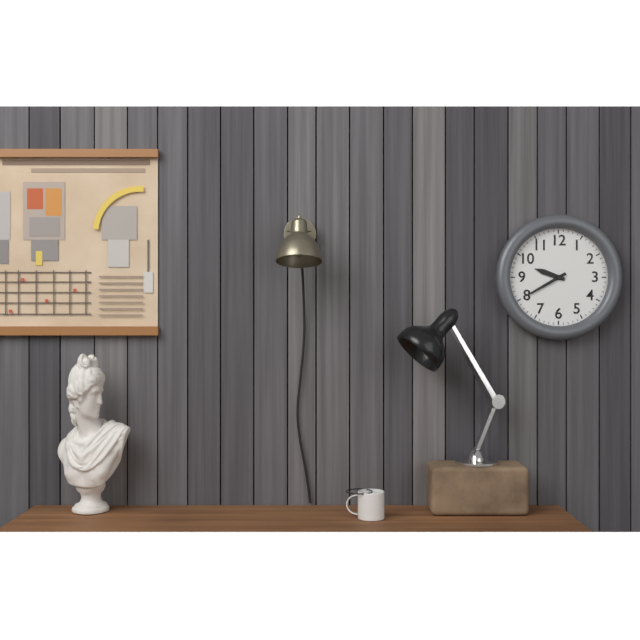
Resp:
9h40
